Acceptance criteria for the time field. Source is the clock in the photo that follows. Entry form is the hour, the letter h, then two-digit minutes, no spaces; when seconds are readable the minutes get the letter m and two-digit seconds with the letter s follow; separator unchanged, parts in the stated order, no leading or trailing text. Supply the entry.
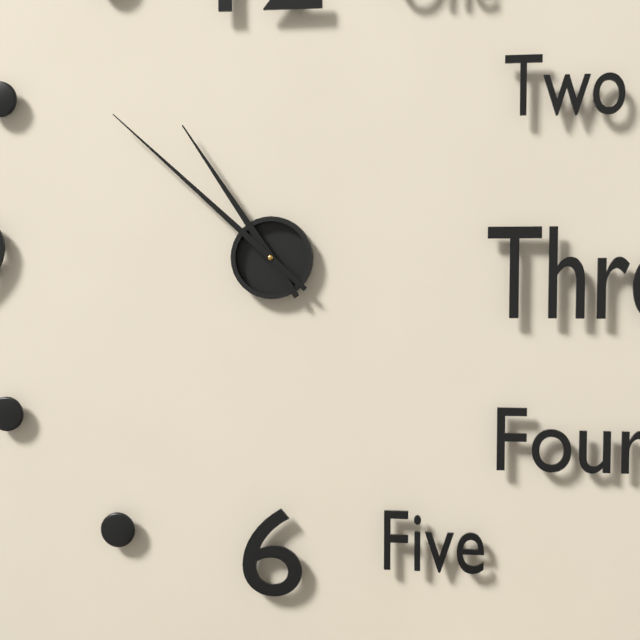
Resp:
10h52
